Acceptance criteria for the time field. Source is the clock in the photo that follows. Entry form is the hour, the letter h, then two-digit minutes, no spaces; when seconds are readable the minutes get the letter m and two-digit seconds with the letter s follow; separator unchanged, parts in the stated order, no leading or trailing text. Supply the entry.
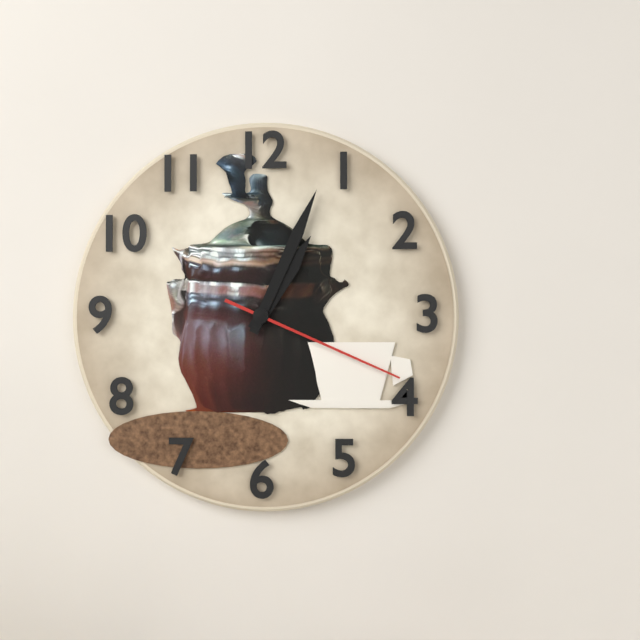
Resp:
1h04m19s
